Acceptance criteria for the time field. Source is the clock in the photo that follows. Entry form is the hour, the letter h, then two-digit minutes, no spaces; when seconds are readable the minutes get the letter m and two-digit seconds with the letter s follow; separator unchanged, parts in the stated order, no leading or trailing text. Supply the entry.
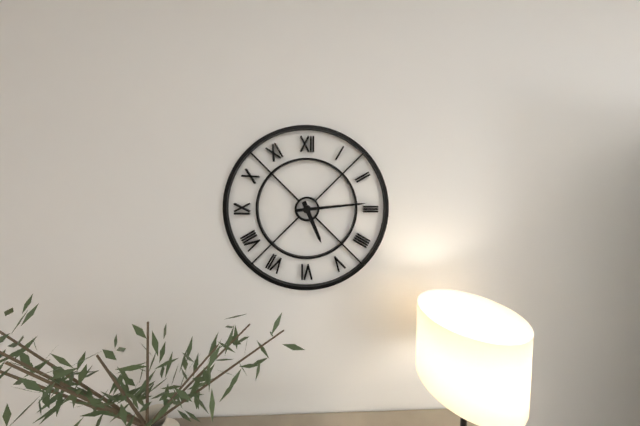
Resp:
5h14
